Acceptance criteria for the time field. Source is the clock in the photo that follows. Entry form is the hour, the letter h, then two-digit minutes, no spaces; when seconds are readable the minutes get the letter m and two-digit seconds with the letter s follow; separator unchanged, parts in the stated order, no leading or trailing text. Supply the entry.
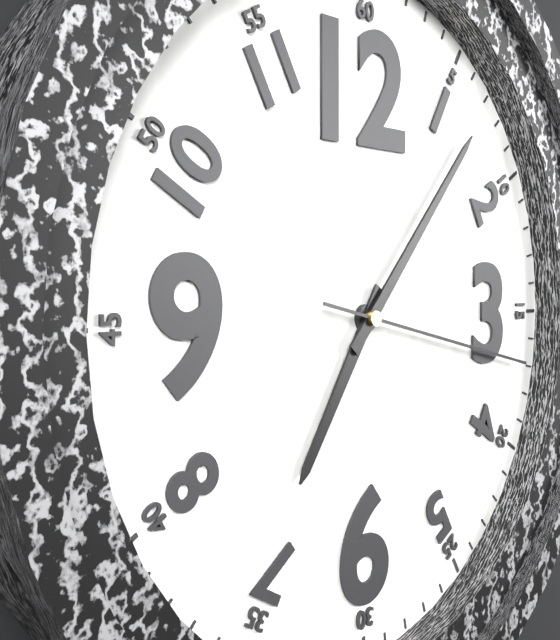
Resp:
7h07m17s
